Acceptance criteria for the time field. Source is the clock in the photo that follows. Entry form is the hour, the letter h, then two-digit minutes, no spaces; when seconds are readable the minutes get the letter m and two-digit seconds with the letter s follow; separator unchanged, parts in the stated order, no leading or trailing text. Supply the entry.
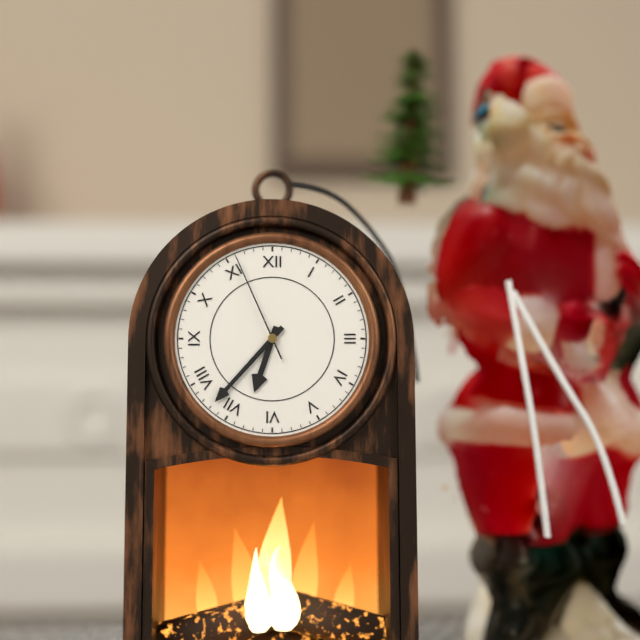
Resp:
6h37m56s
